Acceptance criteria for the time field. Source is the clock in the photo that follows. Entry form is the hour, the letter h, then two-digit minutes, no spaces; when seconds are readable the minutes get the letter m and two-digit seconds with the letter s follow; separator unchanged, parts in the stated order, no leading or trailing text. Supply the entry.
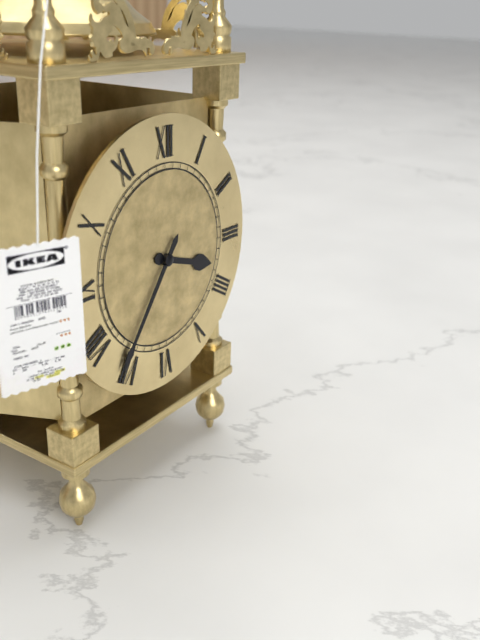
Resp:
3h36
